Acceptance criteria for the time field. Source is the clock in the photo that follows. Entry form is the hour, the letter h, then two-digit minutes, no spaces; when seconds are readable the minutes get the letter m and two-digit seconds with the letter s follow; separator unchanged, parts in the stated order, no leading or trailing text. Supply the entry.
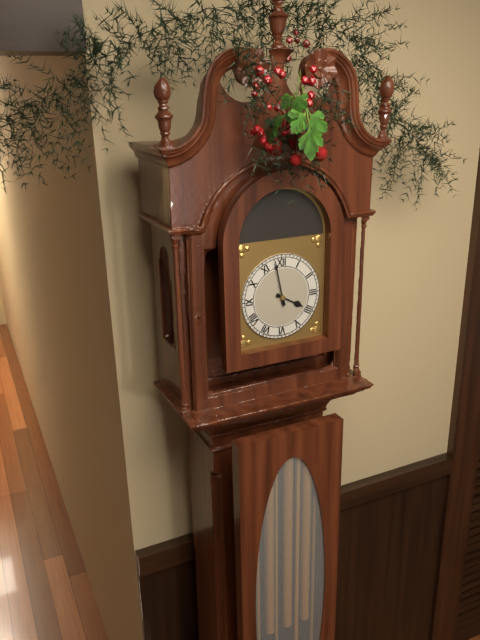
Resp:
3h58
